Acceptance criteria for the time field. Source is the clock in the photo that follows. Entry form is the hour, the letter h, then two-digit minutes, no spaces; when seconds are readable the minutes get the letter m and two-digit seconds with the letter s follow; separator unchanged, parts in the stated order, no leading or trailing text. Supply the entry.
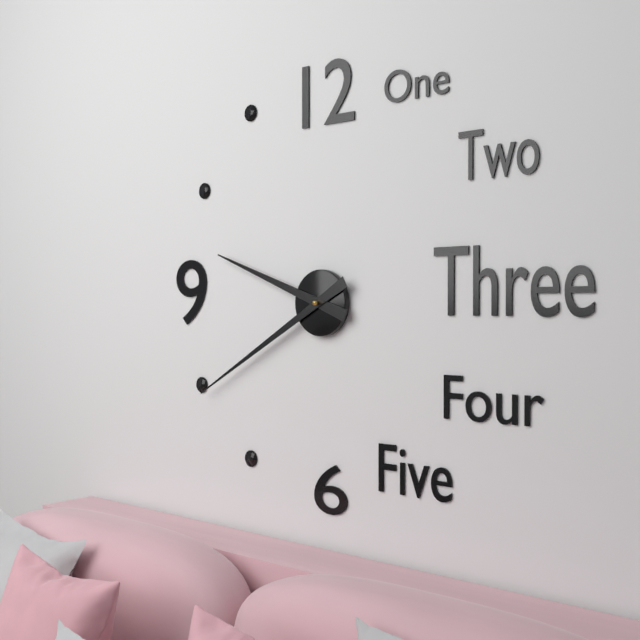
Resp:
9h40
